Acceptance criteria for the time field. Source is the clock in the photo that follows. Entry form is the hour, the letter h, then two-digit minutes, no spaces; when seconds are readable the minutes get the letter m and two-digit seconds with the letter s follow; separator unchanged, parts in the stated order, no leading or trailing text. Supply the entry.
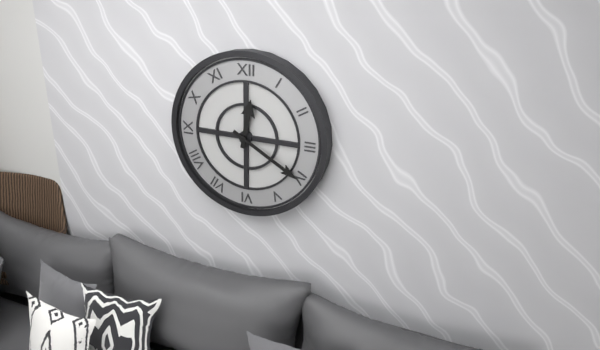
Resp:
12h20
